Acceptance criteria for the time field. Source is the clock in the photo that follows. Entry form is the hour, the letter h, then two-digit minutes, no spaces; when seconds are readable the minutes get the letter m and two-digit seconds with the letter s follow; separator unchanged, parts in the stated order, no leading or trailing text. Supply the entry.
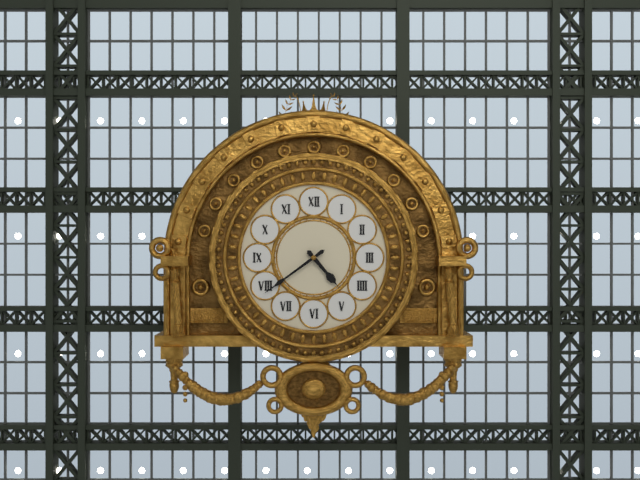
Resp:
4h39
